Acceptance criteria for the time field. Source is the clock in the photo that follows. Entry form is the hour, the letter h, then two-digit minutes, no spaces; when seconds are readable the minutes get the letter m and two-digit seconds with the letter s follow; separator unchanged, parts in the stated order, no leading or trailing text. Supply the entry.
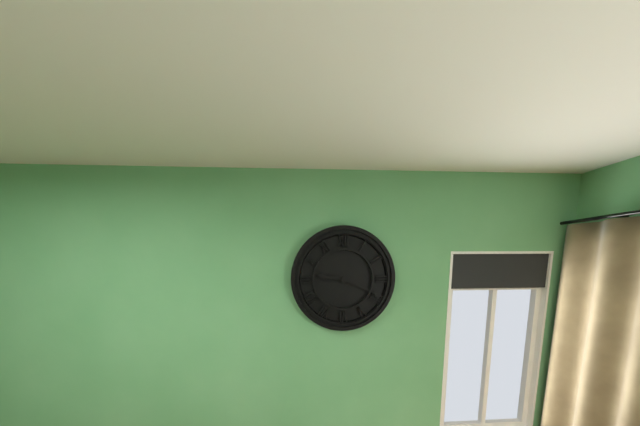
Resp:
9h19
